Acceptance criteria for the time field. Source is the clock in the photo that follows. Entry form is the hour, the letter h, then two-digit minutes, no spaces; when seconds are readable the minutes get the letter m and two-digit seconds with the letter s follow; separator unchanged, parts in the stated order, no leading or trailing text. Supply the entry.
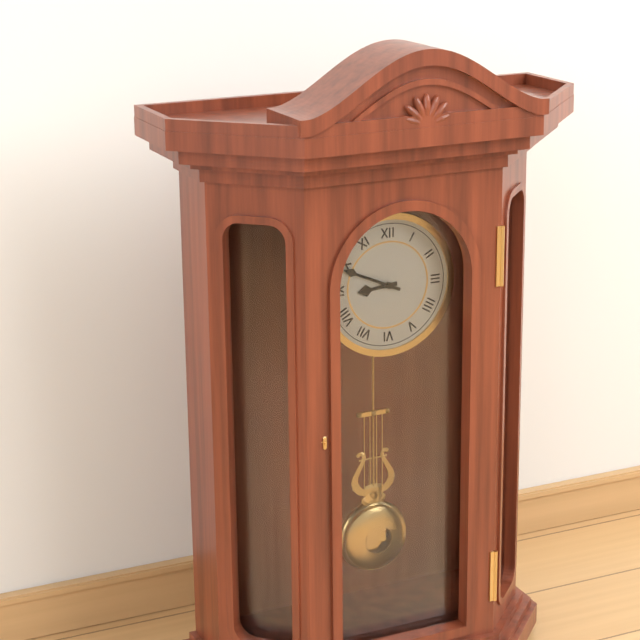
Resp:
8h49
